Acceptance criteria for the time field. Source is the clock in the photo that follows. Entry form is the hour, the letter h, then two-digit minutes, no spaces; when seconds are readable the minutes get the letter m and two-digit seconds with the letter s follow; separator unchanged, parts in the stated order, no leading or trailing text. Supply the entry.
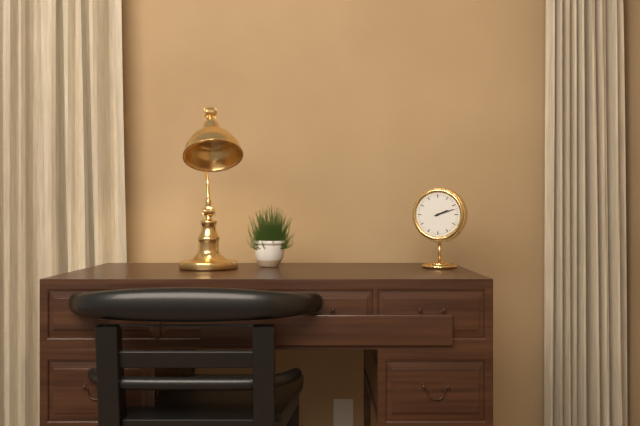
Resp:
2h12
